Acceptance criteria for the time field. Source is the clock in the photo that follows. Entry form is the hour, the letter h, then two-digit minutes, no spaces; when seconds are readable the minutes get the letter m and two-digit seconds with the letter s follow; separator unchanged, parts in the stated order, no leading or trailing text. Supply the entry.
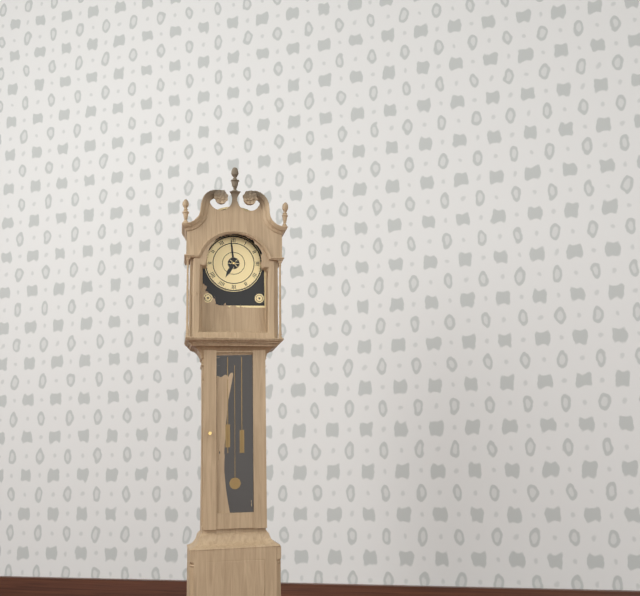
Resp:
6h59
